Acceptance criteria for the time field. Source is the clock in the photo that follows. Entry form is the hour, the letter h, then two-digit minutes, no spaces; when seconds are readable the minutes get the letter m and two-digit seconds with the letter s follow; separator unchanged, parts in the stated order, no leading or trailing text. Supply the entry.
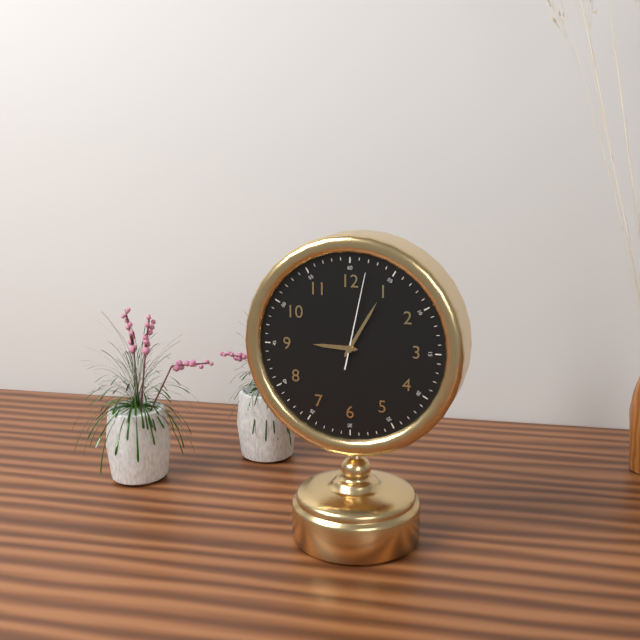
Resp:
9h05m02s
